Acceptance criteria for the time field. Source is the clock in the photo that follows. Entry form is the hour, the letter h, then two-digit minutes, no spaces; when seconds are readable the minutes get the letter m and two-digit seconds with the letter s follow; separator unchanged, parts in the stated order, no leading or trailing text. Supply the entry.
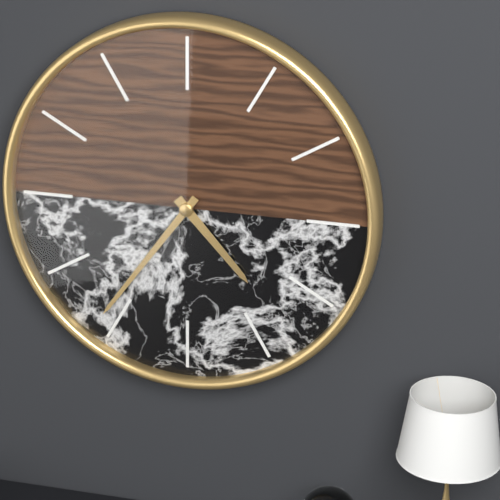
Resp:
4h36
